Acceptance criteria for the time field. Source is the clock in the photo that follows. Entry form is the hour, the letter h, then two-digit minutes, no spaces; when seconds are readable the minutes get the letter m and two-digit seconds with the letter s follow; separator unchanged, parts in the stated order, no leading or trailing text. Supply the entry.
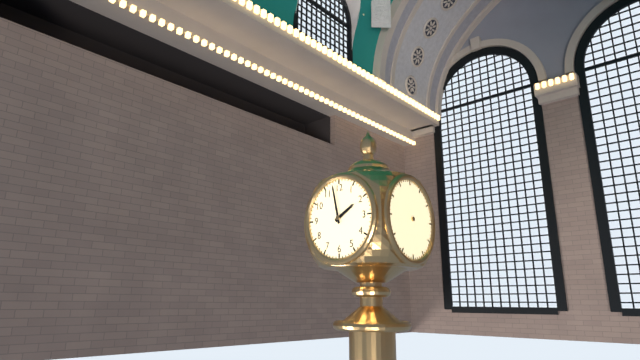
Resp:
1h58
